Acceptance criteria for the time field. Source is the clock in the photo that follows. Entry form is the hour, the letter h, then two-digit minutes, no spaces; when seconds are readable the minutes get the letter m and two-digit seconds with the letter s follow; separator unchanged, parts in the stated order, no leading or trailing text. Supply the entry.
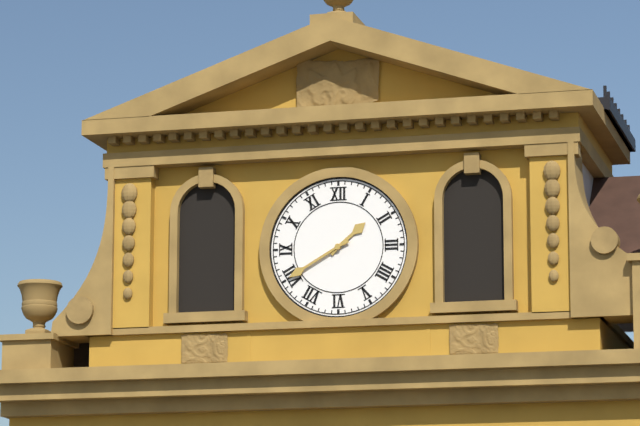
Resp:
1h40
